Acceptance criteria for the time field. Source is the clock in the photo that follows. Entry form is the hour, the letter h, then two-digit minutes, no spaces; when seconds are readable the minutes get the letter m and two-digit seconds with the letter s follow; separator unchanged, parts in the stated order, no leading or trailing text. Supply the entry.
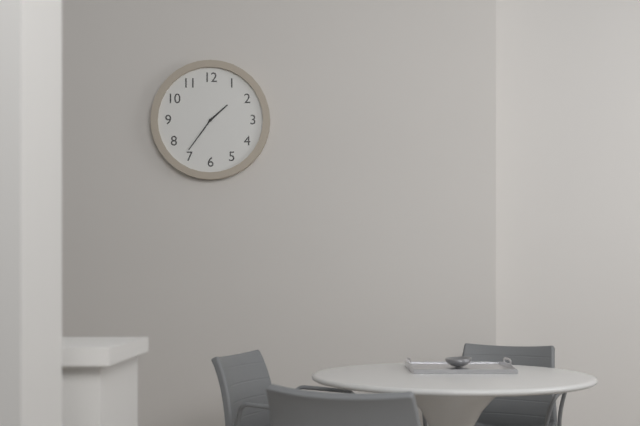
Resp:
1h36
